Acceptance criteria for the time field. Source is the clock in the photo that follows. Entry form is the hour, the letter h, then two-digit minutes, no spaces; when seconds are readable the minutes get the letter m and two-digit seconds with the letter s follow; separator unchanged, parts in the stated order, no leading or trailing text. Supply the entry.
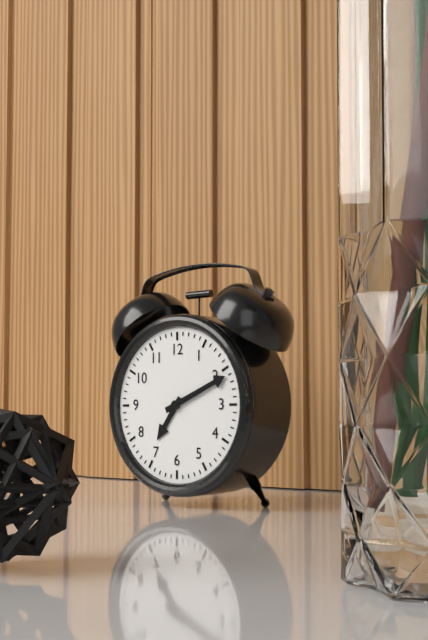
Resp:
7h11
